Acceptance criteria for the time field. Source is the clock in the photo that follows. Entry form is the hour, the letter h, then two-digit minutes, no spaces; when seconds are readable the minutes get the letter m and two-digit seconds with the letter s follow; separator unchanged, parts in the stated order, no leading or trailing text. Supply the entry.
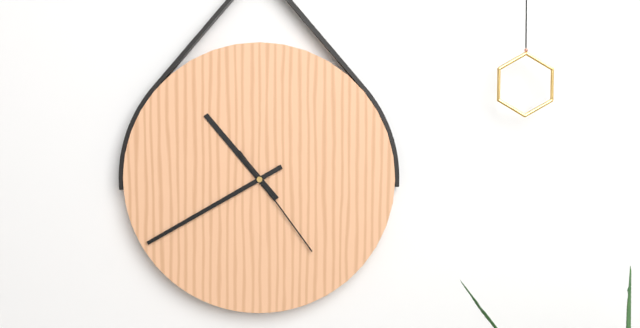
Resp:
10h40m24s
